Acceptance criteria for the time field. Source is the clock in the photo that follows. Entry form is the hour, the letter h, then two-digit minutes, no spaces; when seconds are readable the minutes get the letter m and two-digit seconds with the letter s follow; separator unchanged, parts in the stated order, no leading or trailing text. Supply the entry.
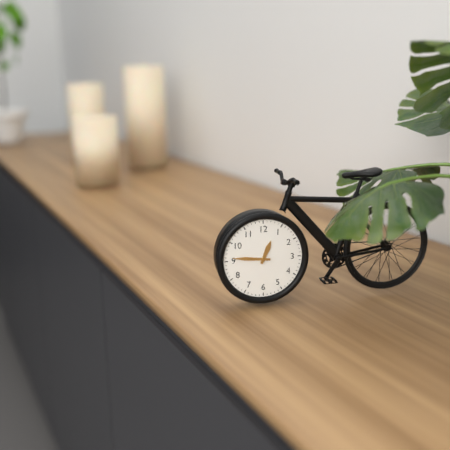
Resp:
12h46
